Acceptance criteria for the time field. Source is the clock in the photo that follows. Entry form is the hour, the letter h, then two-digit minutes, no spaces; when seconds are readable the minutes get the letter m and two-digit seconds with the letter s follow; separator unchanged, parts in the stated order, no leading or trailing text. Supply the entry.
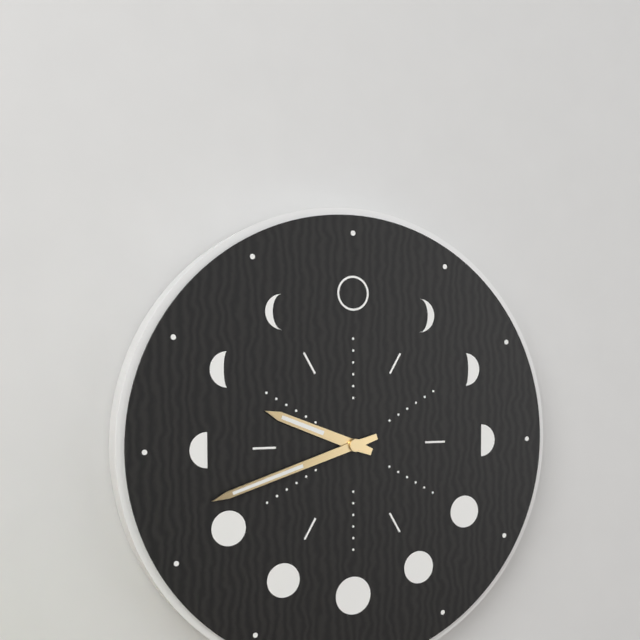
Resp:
9h42
